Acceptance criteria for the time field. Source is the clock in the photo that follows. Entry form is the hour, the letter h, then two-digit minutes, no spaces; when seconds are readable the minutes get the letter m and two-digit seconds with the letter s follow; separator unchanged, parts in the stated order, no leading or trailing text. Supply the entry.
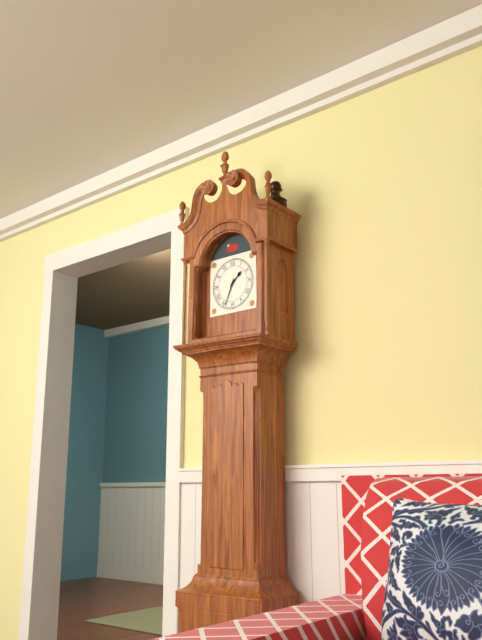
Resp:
1h34
